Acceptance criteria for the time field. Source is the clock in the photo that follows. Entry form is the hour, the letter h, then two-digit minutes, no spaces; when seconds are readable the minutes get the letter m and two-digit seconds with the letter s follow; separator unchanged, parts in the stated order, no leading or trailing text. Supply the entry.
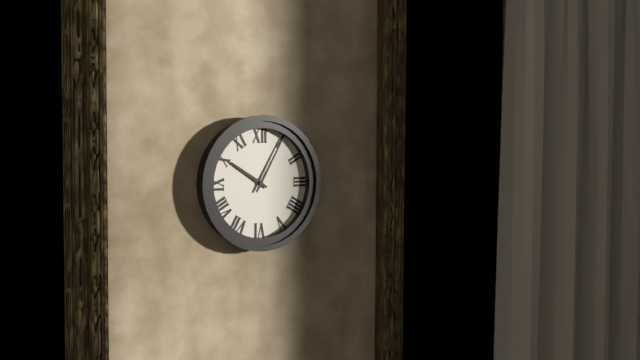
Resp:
10h05
